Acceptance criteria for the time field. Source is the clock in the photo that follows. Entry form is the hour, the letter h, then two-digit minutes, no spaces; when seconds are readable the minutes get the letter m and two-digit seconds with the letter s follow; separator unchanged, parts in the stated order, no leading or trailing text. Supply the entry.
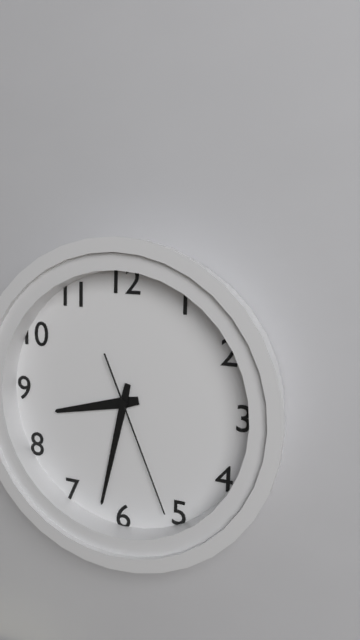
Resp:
8h32m26s
